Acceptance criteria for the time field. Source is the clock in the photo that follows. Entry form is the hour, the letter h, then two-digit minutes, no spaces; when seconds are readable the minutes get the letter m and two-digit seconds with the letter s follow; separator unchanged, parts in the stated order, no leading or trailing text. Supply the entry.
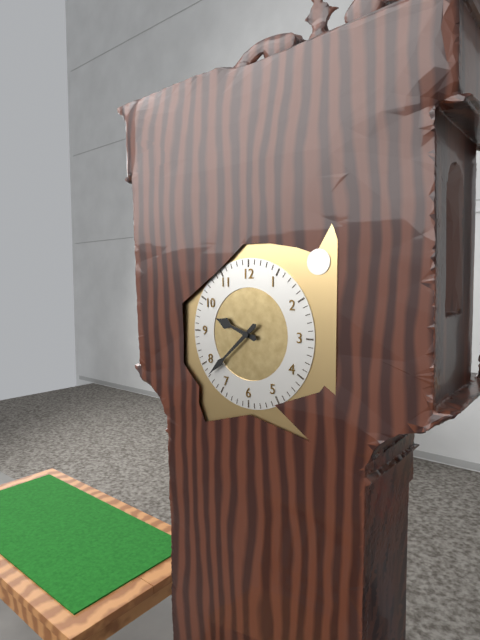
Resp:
9h38
